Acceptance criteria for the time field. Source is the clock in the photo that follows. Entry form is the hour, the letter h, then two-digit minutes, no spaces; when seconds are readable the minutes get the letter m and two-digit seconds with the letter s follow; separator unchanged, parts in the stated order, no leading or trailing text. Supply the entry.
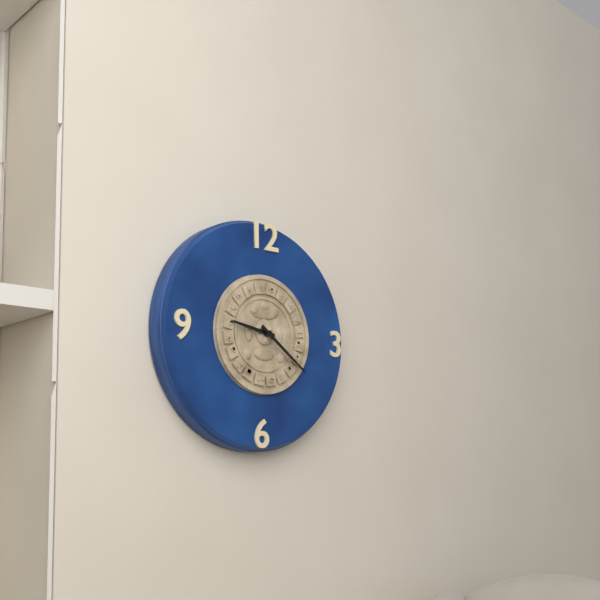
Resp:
9h21
